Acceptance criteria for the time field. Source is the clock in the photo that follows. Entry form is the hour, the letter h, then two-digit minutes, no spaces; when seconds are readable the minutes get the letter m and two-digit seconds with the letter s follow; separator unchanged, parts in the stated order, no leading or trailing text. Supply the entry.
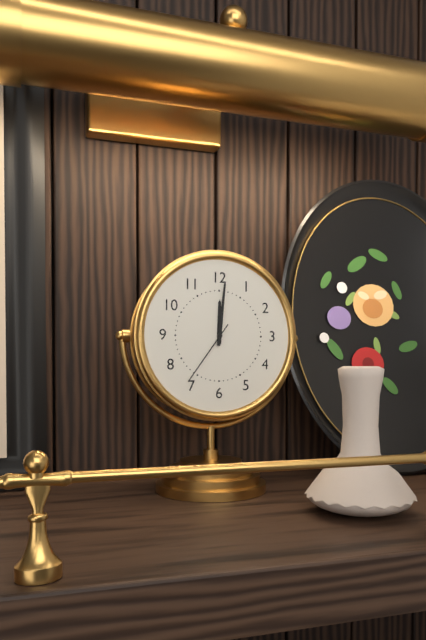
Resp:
12h01m36s
